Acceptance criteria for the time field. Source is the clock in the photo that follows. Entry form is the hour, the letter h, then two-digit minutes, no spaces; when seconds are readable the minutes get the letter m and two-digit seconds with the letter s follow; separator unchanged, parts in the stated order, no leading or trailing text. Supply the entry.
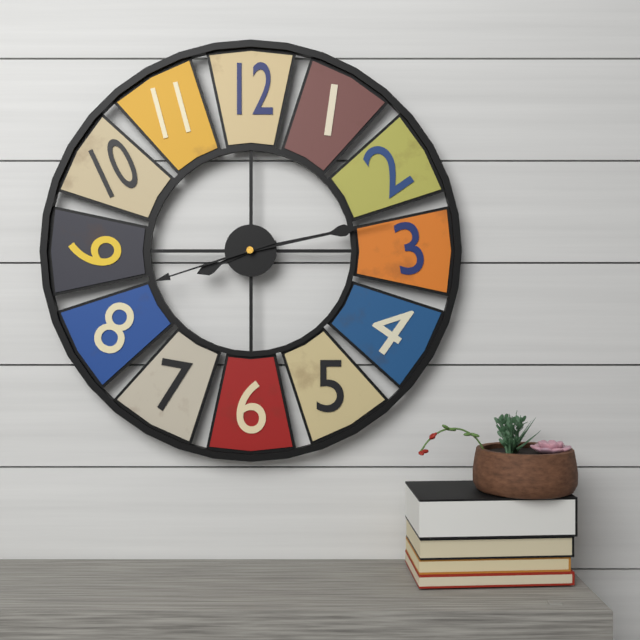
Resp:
8h13m42s
